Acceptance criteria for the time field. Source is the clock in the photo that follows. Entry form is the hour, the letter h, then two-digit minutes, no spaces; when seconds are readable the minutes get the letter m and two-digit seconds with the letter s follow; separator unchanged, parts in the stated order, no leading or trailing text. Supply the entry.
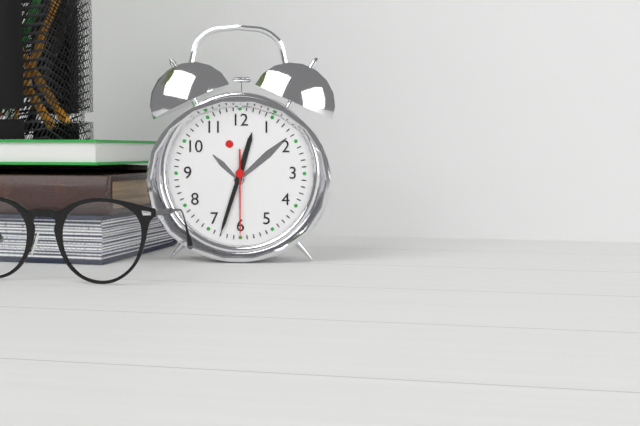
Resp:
12h33m30s
